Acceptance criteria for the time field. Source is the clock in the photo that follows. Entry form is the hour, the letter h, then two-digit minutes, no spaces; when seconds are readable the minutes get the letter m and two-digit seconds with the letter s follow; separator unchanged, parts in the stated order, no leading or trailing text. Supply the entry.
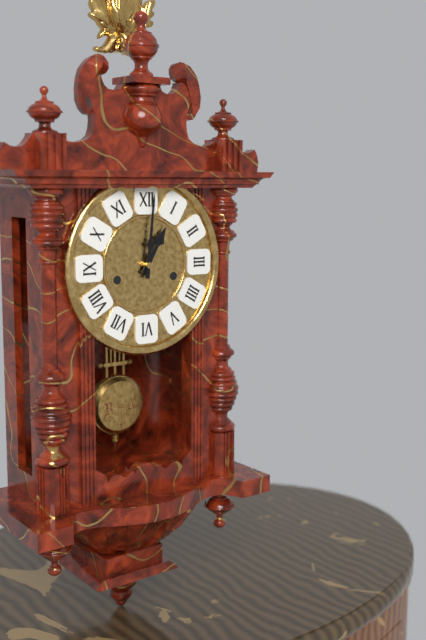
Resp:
1h01
